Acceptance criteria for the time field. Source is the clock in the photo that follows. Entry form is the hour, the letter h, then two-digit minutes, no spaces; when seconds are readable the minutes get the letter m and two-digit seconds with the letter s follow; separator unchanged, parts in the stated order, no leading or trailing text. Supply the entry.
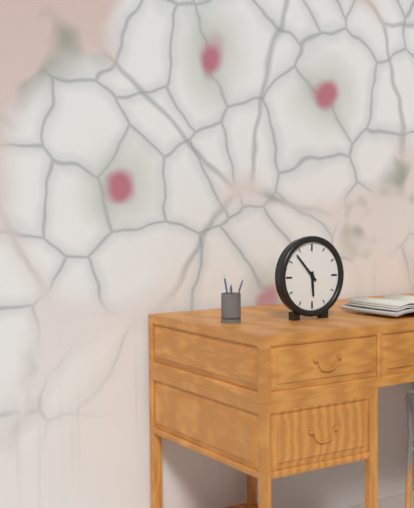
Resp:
5h53
